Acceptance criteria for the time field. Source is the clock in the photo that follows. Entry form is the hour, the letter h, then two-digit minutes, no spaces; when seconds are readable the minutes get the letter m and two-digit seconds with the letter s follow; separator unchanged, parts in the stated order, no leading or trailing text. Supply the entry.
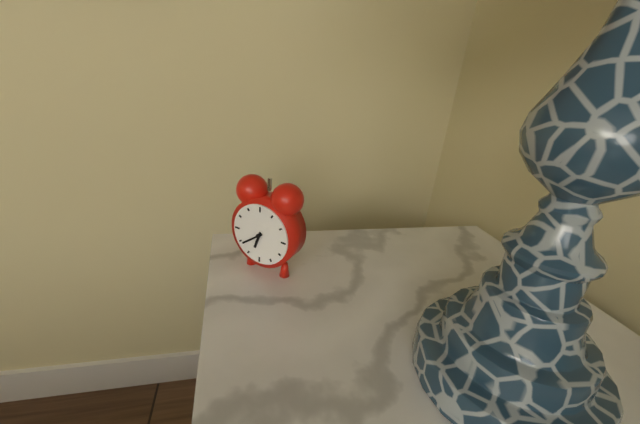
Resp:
6h39
